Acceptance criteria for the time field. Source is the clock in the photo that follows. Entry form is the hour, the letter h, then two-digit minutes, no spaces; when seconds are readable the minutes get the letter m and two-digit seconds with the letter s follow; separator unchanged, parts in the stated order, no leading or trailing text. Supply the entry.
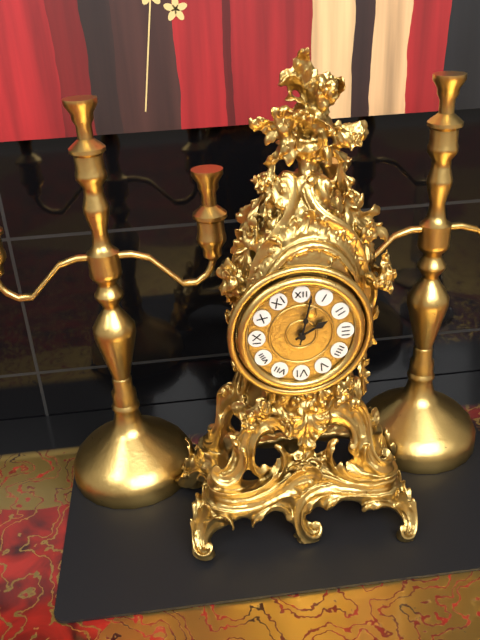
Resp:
2h02
